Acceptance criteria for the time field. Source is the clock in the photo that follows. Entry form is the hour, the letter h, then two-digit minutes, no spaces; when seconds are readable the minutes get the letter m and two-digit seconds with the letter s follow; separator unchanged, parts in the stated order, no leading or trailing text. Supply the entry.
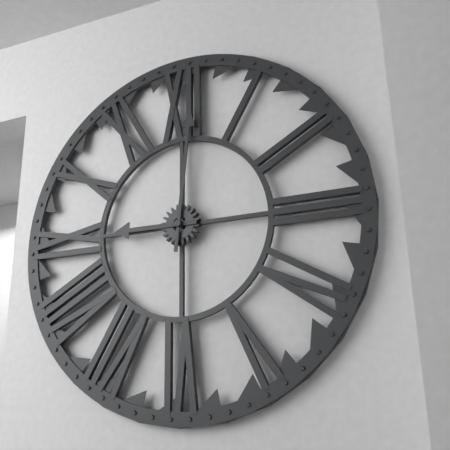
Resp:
9h01
